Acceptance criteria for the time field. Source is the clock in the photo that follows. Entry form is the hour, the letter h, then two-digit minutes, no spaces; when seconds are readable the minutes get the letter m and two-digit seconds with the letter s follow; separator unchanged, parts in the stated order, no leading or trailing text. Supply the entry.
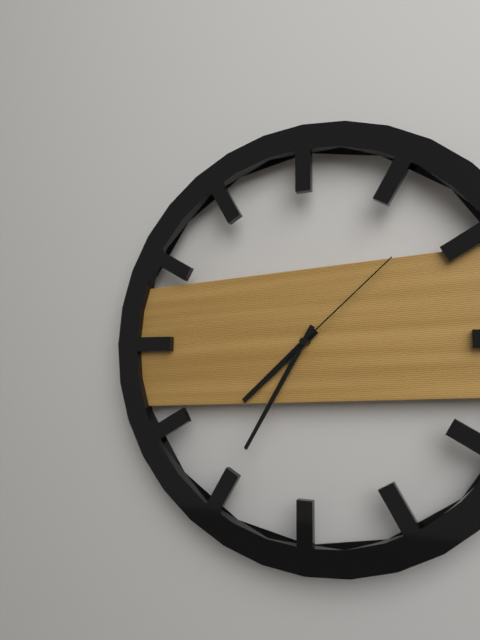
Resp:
7h35m08s
